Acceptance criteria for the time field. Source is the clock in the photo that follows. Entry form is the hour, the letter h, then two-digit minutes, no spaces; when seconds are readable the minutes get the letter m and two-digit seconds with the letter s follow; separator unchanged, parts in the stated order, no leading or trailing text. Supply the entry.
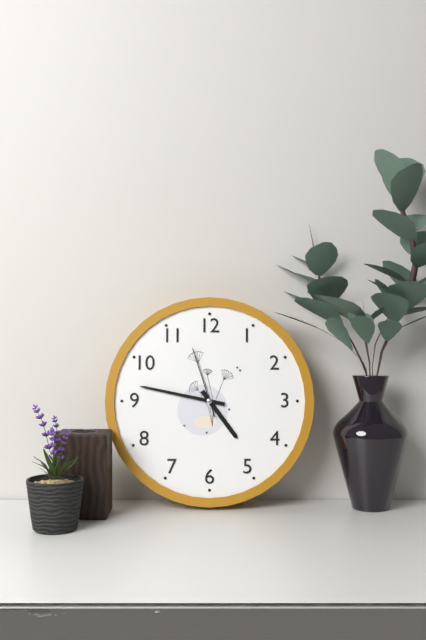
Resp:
4h47m57s
